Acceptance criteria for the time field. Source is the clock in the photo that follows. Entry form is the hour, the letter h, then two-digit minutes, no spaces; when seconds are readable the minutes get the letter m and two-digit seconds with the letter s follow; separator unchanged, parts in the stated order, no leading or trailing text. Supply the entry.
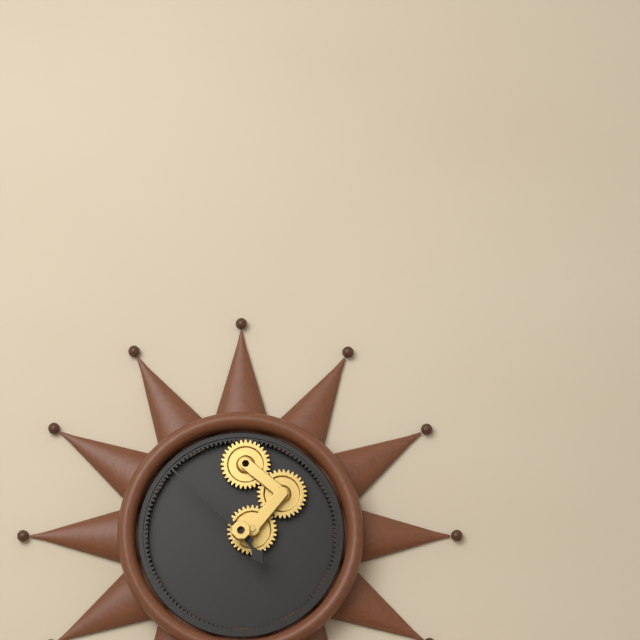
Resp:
4h52
